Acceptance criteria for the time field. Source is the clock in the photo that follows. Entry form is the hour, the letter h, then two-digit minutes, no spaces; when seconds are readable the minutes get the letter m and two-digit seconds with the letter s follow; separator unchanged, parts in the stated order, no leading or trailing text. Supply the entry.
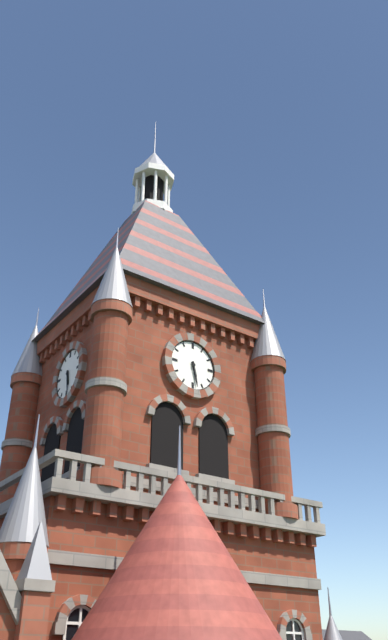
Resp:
5h28
